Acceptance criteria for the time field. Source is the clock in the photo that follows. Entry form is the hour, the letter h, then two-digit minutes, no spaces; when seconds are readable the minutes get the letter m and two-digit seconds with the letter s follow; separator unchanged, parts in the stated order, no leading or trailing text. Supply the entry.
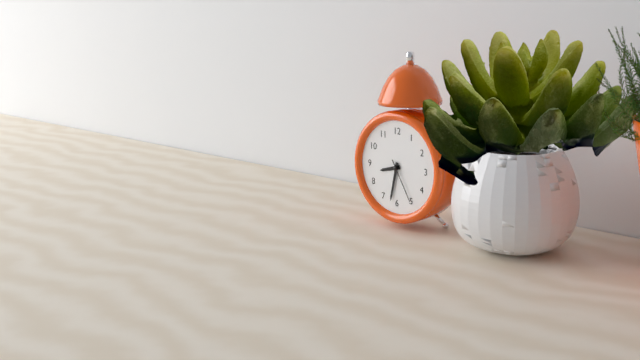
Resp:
8h32
